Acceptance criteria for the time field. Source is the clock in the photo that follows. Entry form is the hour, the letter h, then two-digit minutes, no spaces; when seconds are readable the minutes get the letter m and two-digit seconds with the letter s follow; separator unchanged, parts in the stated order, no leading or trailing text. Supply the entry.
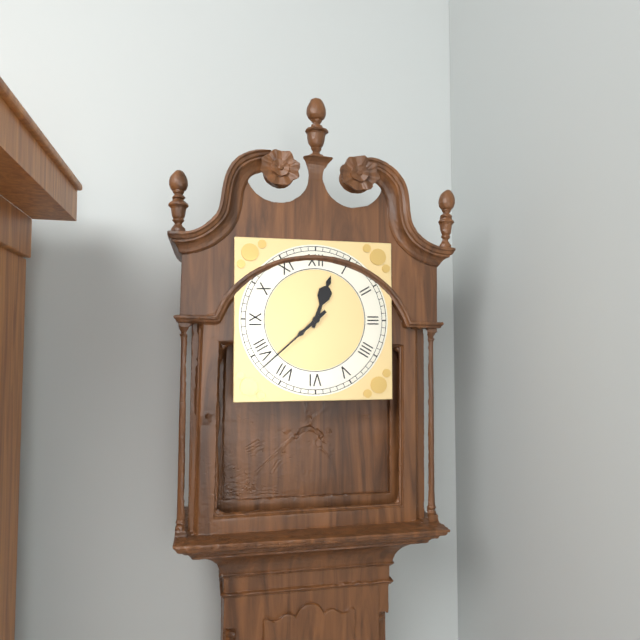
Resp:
12h38
